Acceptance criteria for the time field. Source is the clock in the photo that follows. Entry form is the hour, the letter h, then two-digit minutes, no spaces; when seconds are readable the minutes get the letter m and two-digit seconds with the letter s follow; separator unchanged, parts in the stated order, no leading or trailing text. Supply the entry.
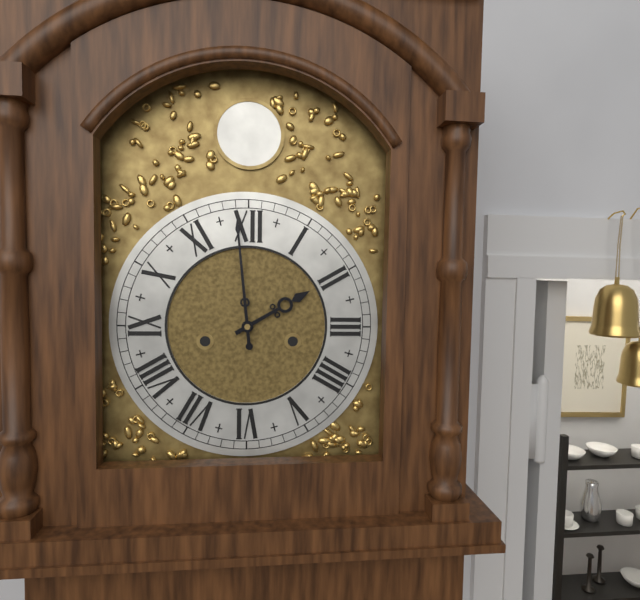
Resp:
1h59
